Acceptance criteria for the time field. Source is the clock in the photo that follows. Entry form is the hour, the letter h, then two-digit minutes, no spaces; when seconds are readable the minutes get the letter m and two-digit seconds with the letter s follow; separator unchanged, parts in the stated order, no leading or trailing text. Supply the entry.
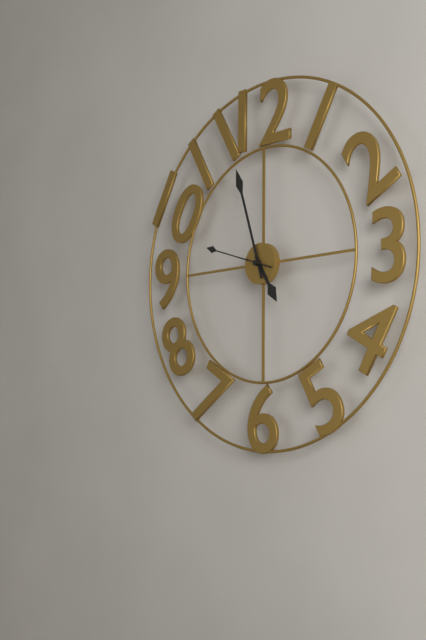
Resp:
4h57m48s
